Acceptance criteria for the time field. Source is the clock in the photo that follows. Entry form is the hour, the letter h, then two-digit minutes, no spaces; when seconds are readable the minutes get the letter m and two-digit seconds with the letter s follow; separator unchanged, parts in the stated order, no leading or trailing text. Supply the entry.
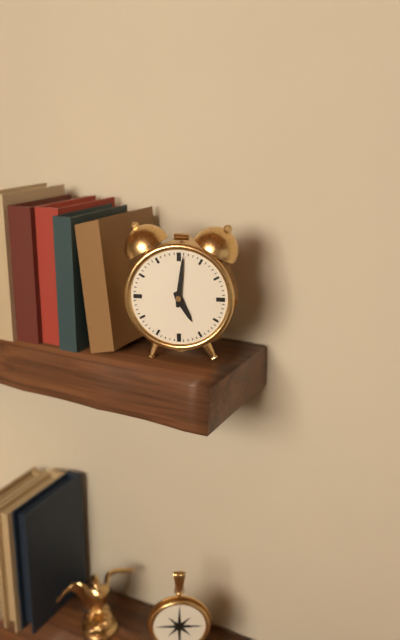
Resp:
5h01
